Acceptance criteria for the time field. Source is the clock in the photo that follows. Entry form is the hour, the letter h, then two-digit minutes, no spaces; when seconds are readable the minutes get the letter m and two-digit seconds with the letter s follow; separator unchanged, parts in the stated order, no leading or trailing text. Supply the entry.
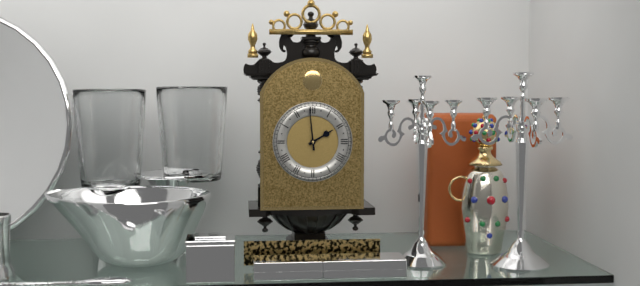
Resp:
1h59
